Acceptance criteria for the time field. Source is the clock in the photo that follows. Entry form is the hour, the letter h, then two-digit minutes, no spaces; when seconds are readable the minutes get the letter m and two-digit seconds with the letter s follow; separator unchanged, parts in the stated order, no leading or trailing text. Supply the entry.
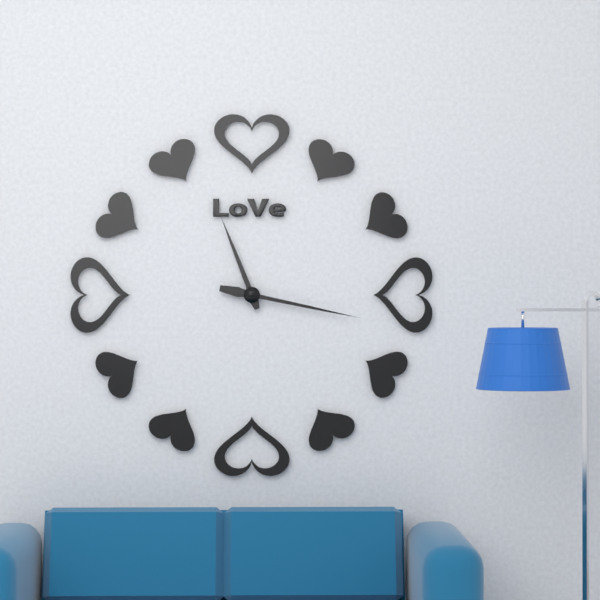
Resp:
11h17
